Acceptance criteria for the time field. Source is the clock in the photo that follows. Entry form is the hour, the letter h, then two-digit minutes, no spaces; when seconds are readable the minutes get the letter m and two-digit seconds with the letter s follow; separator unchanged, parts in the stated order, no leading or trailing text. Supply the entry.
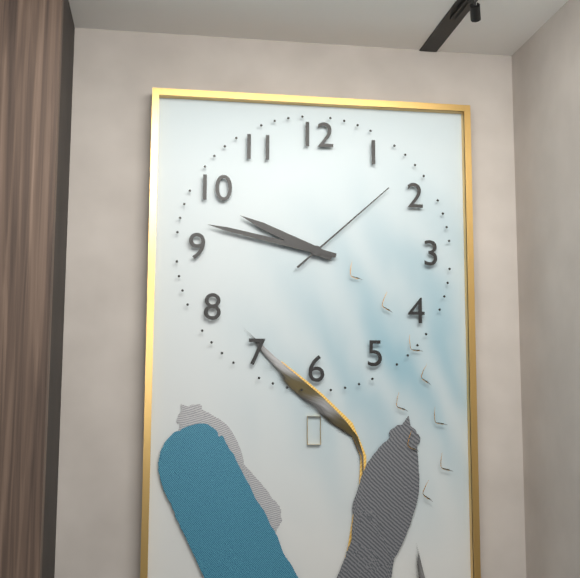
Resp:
9h47m08s
